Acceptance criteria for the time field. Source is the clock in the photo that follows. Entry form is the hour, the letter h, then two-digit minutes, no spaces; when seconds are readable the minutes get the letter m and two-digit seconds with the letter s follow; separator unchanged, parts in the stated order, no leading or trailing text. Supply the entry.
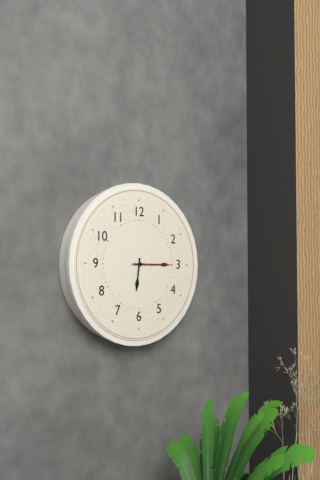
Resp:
6h15
